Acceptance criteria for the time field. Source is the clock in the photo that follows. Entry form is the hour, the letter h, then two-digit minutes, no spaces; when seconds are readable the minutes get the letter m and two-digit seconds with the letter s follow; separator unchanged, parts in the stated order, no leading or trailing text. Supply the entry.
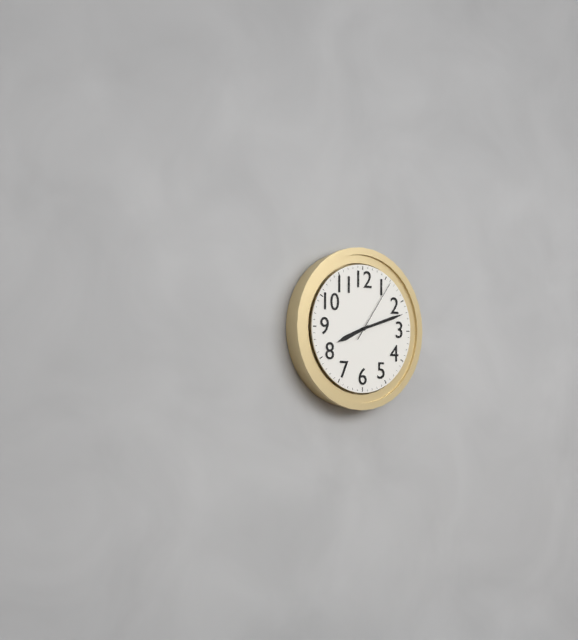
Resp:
8h12m06s
